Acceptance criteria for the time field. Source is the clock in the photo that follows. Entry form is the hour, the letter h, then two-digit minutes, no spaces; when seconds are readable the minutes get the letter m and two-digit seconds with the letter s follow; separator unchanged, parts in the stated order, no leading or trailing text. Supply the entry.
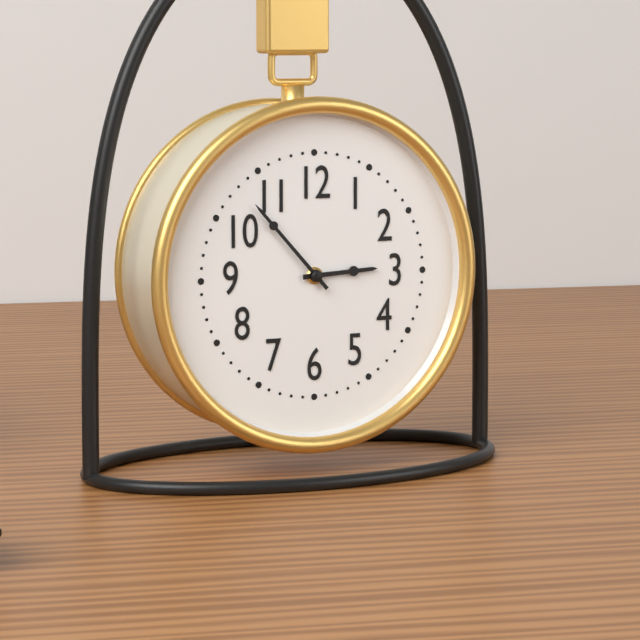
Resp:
2h53
